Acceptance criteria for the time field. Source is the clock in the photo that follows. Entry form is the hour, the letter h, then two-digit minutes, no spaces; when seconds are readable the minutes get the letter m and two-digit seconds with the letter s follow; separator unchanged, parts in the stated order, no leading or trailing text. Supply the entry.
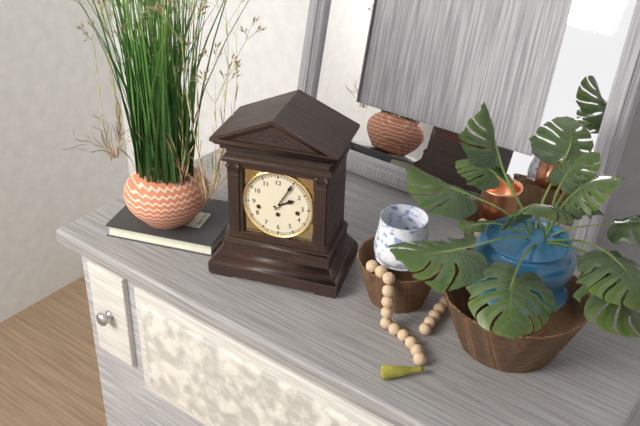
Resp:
2h05
